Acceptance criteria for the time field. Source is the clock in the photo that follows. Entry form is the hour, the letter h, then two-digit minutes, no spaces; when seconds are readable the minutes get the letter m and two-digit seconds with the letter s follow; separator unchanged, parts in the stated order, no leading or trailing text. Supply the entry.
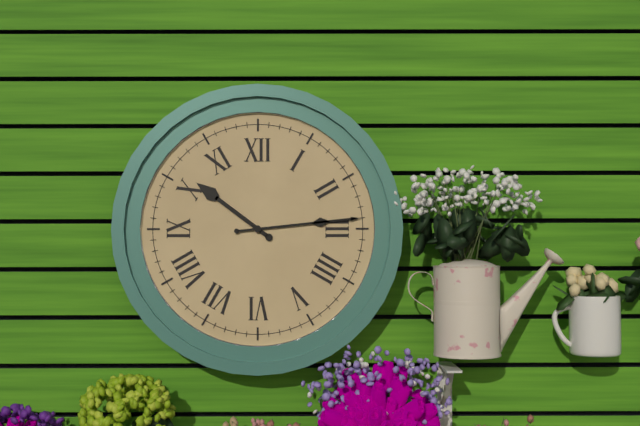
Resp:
10h14
